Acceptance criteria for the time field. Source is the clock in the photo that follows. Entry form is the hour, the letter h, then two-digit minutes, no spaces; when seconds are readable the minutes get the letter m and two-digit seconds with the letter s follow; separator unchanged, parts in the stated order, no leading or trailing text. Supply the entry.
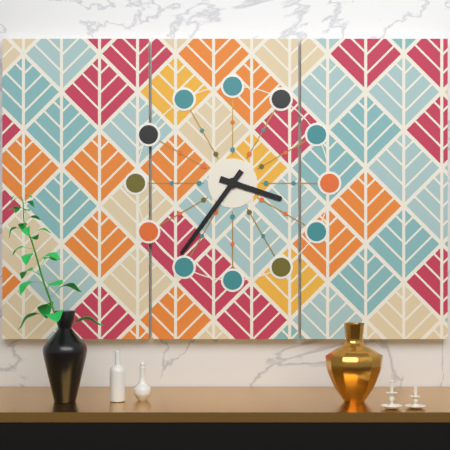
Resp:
3h36
